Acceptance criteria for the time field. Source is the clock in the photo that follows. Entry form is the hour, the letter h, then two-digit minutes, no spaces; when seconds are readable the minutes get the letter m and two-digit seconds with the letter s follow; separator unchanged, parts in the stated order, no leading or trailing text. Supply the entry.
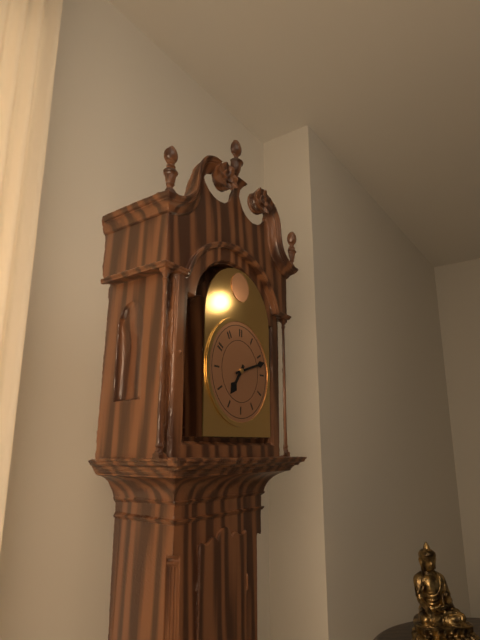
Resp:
7h12
